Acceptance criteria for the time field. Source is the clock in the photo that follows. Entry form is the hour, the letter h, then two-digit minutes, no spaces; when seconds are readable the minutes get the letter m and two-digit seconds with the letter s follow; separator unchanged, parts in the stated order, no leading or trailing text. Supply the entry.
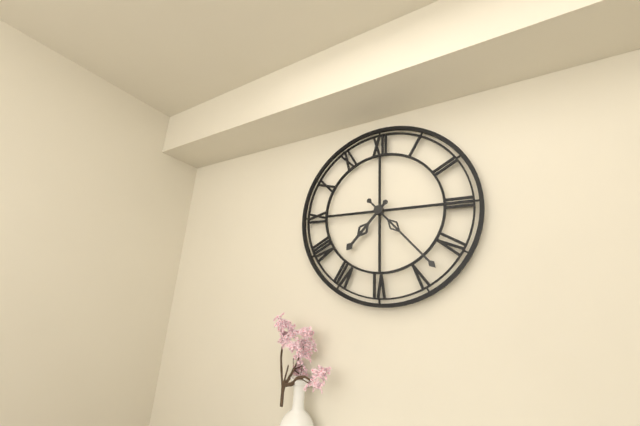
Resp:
7h23
